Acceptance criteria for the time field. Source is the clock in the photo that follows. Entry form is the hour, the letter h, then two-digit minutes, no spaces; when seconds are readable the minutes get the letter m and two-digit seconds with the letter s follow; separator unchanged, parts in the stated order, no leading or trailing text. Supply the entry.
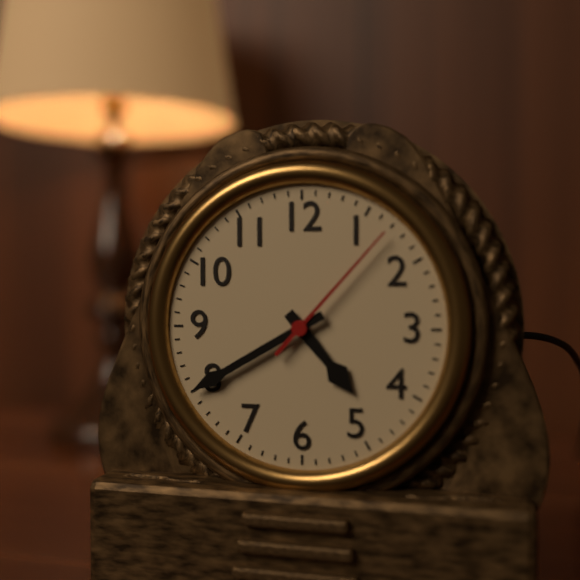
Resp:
4h40m07s
